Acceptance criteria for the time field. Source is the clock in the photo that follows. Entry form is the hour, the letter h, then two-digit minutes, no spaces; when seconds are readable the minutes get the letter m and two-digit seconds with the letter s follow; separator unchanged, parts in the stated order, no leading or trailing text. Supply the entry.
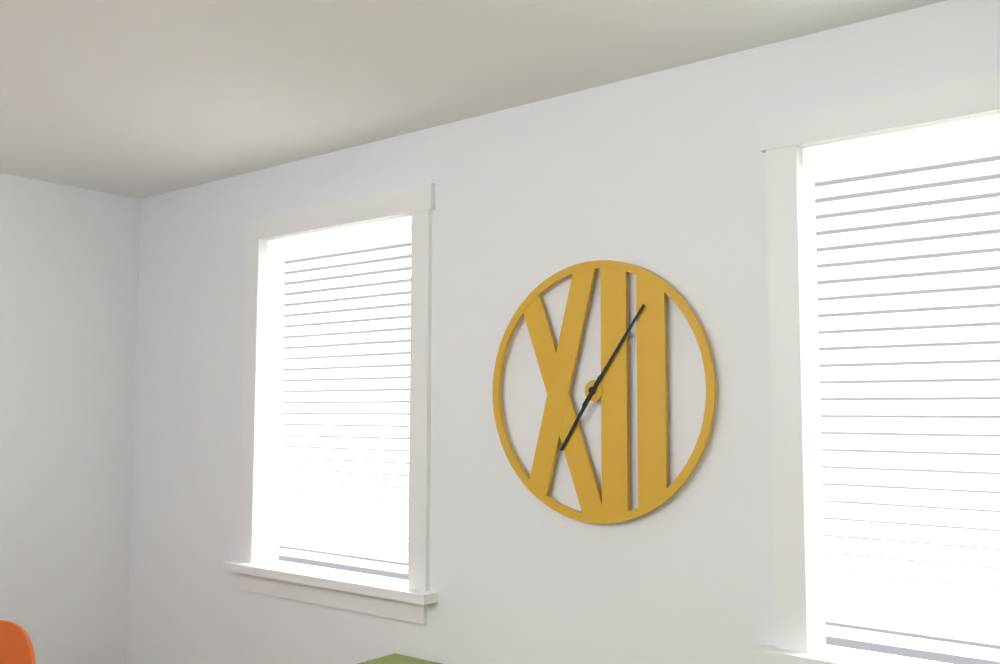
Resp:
7h06
